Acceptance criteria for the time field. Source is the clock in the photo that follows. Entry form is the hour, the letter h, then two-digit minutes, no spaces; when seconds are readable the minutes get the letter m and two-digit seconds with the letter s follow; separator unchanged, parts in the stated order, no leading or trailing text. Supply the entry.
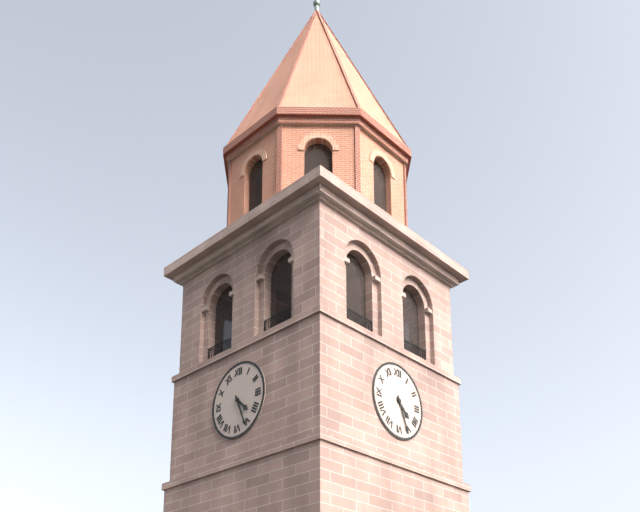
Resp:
4h26
